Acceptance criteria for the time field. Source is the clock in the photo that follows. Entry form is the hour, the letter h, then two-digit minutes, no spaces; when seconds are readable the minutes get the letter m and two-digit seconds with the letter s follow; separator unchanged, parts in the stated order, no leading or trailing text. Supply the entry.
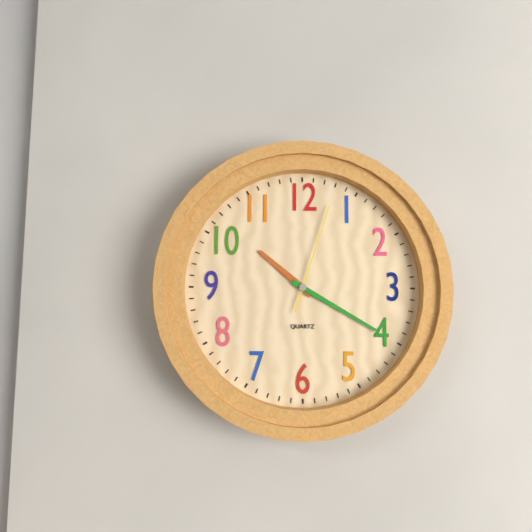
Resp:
10h20m03s
